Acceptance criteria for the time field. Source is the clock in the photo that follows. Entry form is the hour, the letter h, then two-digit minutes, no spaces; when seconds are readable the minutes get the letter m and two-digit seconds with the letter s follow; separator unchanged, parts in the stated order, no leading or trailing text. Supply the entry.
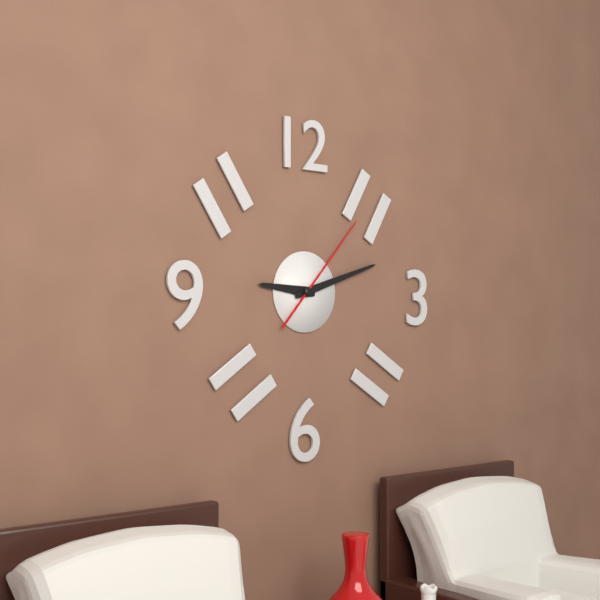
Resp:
9h12m07s
